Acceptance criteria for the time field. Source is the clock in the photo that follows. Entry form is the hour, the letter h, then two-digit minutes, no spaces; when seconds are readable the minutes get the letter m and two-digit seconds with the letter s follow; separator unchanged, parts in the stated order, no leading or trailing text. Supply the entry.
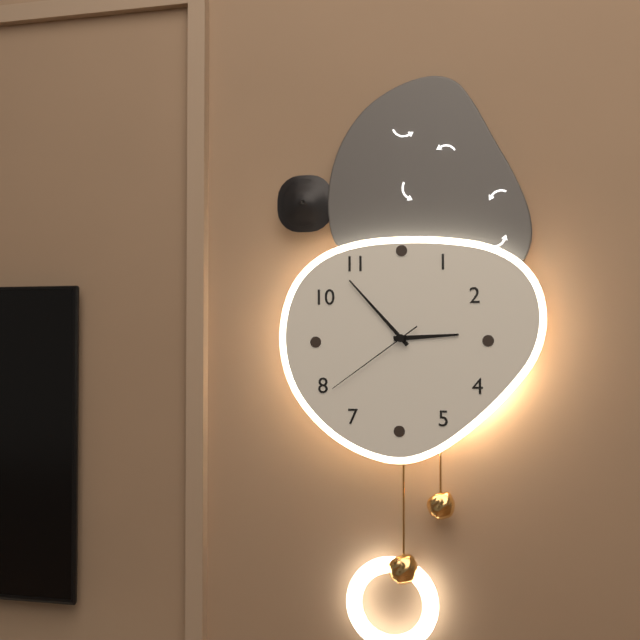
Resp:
2h53m39s
